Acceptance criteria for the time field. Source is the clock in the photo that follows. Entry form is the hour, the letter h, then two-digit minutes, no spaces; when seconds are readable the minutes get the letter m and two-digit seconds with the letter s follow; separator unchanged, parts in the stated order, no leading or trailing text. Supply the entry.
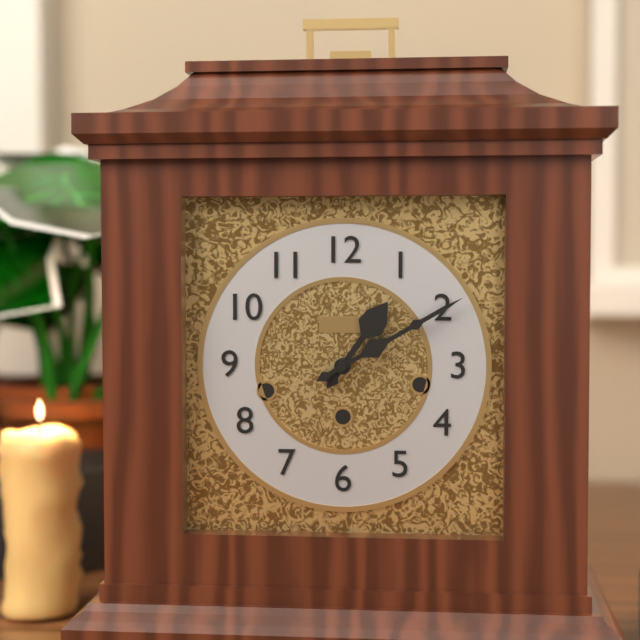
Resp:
1h10
